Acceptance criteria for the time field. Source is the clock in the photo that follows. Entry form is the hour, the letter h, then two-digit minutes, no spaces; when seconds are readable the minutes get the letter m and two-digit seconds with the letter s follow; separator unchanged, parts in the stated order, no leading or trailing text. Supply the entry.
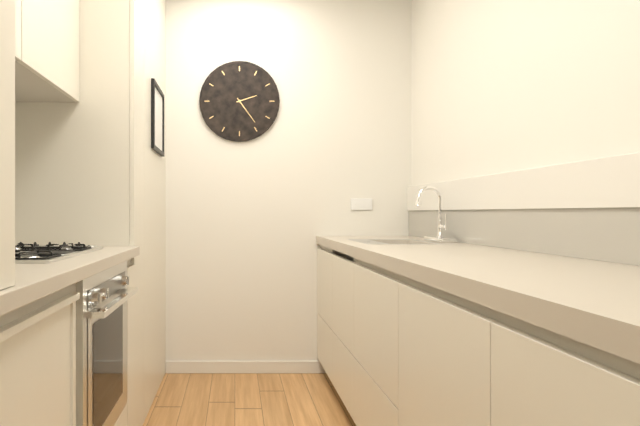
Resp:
2h24
